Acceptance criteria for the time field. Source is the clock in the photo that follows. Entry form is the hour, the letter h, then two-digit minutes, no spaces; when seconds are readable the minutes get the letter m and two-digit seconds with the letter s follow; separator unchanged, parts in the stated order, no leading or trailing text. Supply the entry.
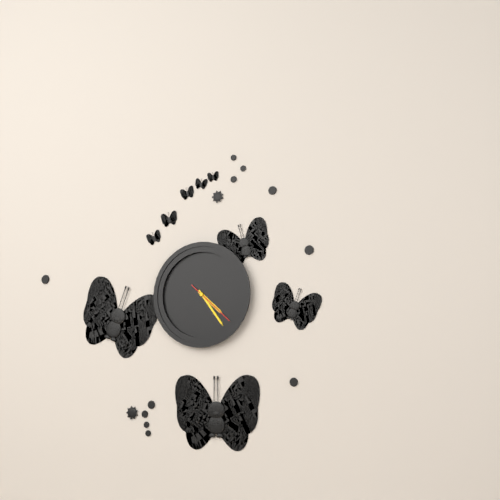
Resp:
4h24
